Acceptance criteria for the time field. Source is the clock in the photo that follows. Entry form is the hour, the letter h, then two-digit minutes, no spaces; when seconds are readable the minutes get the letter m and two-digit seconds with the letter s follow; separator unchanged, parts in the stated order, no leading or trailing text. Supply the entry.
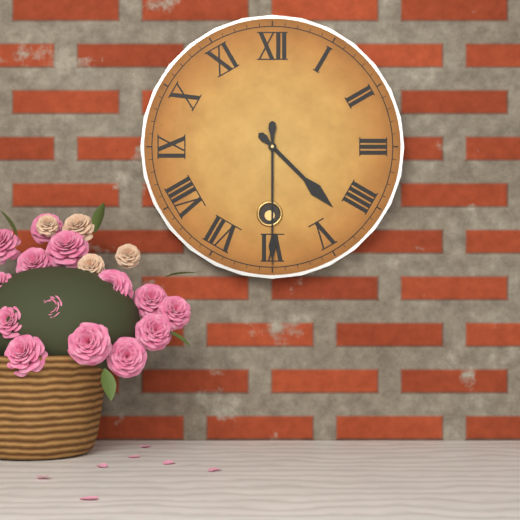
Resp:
4h30
